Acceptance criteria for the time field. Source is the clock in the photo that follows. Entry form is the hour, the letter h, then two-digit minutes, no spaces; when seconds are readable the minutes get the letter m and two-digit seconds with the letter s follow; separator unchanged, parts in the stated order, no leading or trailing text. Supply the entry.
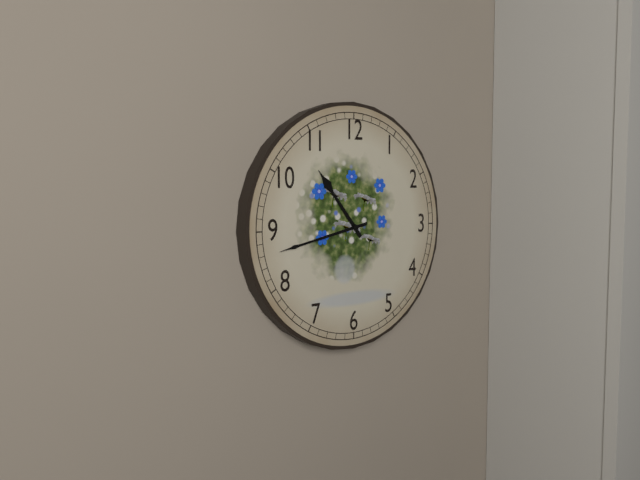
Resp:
10h43
